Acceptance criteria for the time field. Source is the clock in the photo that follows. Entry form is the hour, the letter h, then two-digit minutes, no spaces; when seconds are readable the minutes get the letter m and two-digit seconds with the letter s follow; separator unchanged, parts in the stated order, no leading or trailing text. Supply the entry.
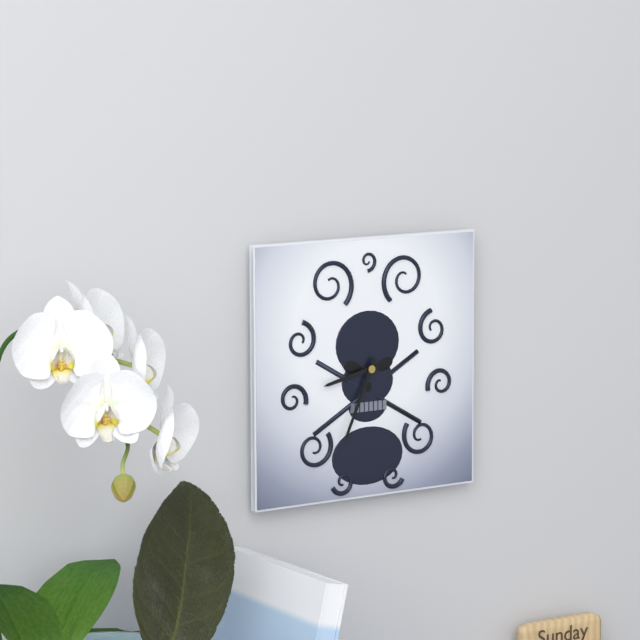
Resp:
8h34
